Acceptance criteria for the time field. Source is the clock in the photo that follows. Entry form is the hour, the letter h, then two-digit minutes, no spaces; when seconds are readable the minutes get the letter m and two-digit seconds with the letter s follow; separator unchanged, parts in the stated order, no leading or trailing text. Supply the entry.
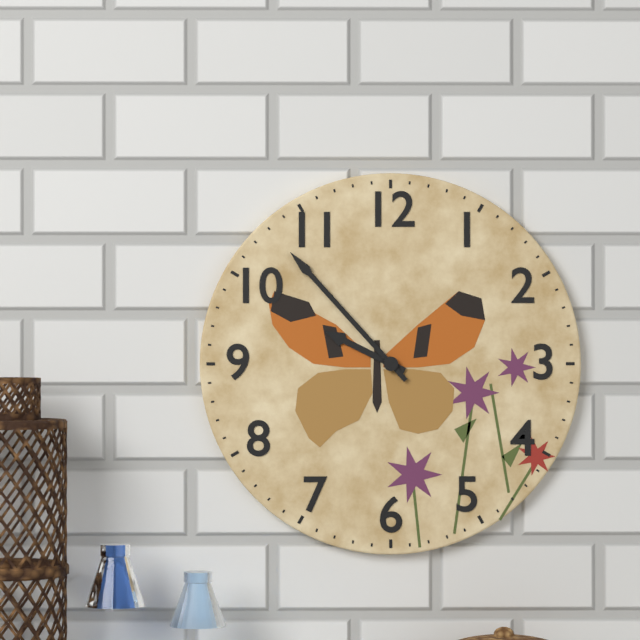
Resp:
9h53
